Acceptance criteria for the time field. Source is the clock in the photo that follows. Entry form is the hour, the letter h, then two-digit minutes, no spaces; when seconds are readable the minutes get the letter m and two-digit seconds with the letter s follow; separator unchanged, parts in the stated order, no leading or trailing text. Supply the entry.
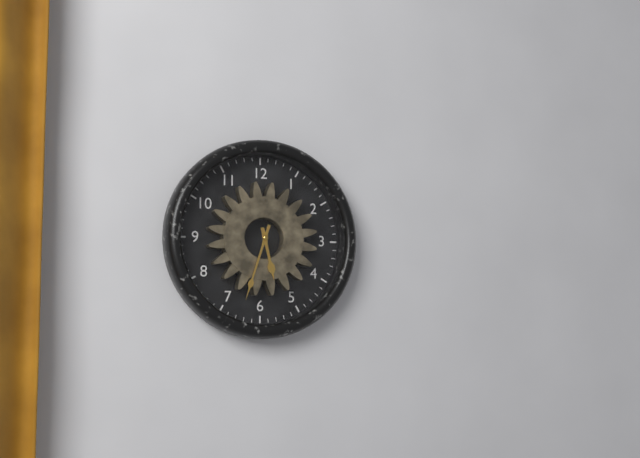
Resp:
5h33
